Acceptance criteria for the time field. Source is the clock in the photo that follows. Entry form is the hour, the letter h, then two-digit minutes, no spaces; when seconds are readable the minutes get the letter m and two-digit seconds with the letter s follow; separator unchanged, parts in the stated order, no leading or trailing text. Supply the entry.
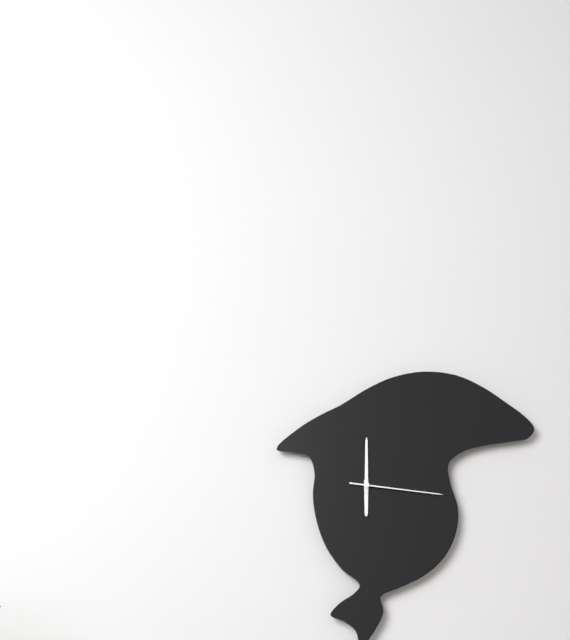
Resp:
6h00m16s
